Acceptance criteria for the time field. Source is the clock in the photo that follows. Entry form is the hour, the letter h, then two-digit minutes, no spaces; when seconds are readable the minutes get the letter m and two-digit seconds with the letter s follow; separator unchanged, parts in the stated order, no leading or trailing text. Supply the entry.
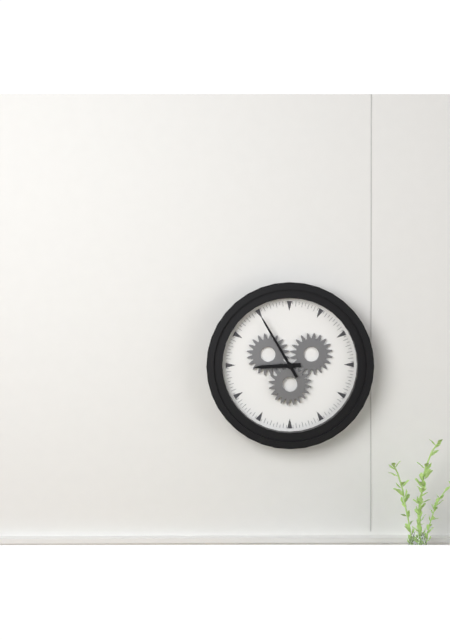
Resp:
8h55
